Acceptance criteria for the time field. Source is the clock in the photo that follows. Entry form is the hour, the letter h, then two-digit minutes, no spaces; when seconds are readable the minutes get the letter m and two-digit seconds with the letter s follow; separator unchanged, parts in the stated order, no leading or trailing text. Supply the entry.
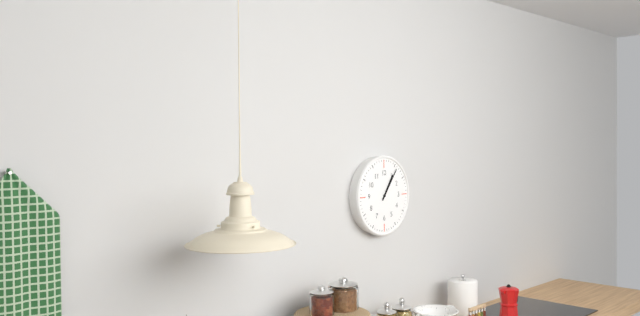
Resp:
1h06
